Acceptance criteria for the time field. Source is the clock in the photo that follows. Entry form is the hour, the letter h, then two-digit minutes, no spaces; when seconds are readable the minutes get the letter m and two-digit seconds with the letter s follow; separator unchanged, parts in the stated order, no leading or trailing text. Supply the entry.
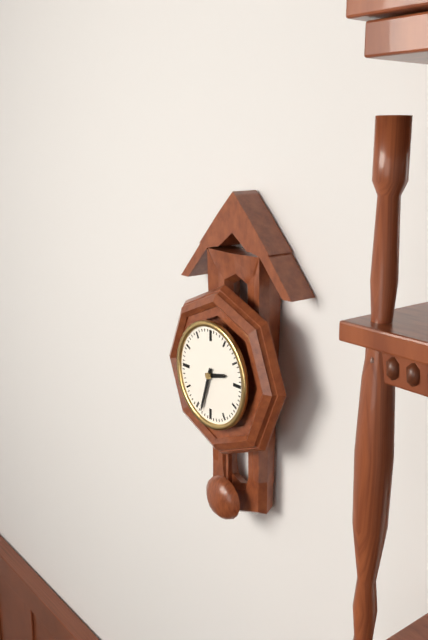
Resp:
2h33
